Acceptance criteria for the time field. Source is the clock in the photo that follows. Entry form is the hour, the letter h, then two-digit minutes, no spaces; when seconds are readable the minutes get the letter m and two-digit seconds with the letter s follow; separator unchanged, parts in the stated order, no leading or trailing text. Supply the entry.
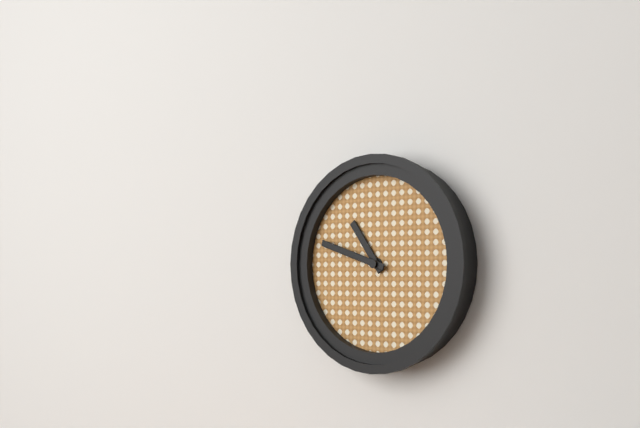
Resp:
10h48
